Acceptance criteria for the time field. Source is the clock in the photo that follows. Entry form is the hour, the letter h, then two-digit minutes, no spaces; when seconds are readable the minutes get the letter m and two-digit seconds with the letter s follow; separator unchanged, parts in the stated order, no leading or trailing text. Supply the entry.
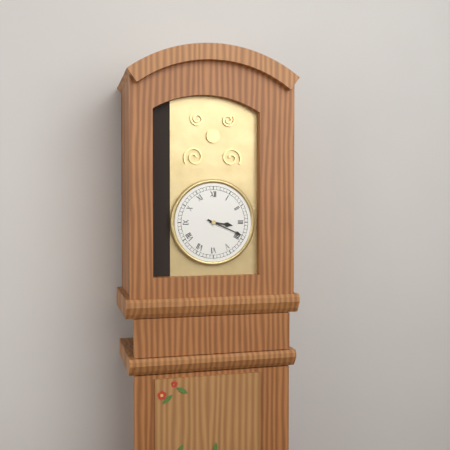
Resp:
3h19
